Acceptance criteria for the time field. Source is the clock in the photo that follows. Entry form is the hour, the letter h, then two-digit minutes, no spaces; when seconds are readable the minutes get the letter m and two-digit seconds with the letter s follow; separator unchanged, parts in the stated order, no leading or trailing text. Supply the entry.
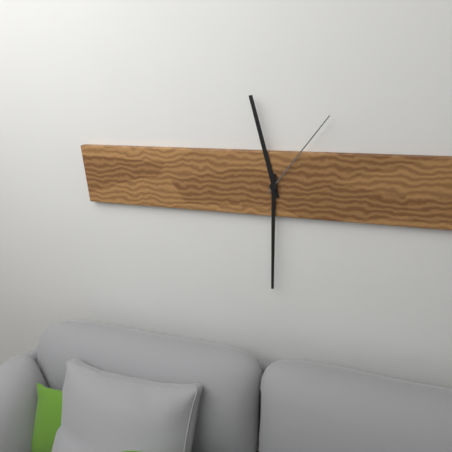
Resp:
11h30m06s
